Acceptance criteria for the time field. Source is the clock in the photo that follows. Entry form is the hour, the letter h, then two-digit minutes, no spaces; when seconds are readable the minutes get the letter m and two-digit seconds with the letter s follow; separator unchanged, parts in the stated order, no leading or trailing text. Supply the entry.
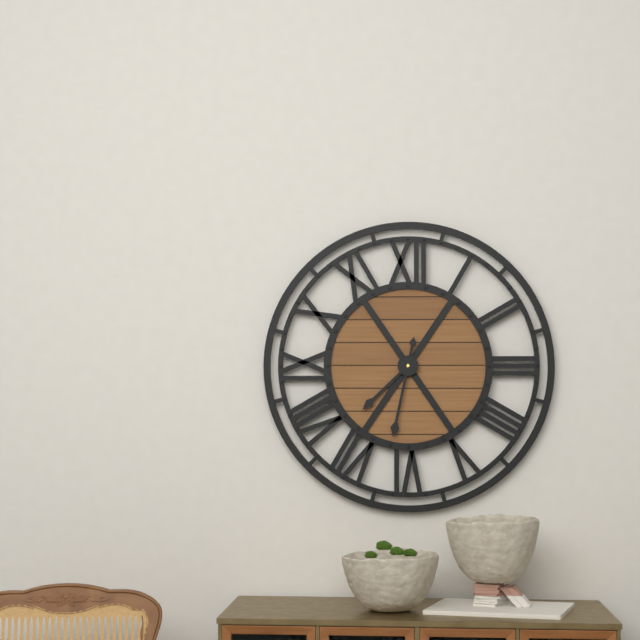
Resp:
7h32
